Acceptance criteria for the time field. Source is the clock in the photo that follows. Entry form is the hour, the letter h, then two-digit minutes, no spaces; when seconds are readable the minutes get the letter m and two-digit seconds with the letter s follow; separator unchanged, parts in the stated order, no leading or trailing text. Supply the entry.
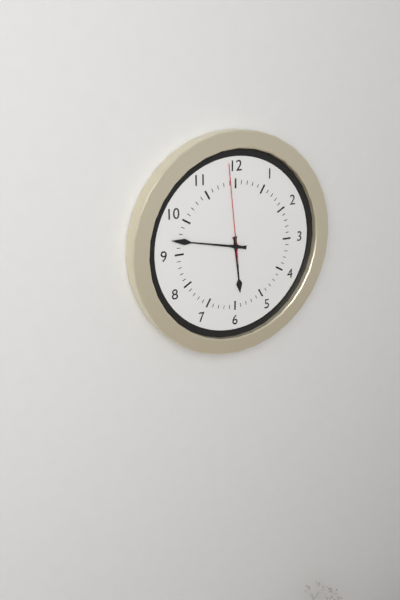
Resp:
5h47m59s
